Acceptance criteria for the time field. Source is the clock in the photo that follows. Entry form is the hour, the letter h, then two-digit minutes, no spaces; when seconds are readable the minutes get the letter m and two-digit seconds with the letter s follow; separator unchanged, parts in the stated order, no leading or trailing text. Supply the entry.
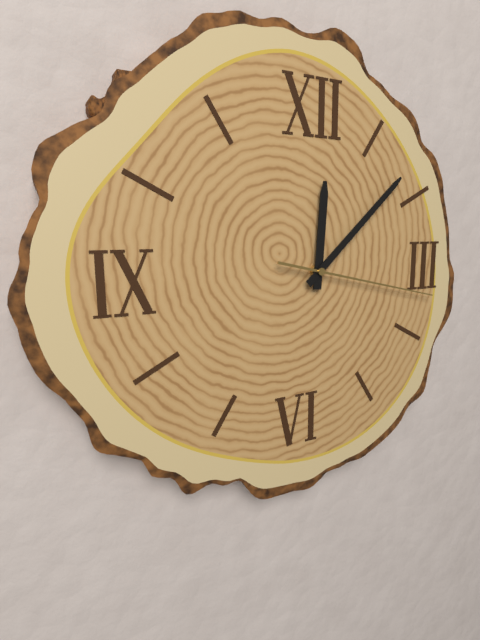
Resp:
12h08m17s
